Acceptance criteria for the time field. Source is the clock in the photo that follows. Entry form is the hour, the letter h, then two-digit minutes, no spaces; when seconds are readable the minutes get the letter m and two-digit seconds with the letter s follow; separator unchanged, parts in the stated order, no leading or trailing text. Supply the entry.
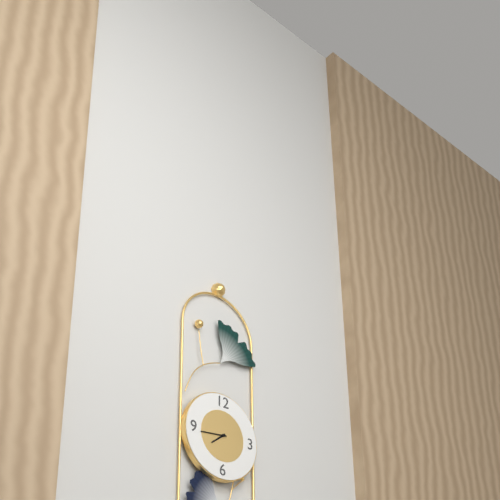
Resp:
7h44
